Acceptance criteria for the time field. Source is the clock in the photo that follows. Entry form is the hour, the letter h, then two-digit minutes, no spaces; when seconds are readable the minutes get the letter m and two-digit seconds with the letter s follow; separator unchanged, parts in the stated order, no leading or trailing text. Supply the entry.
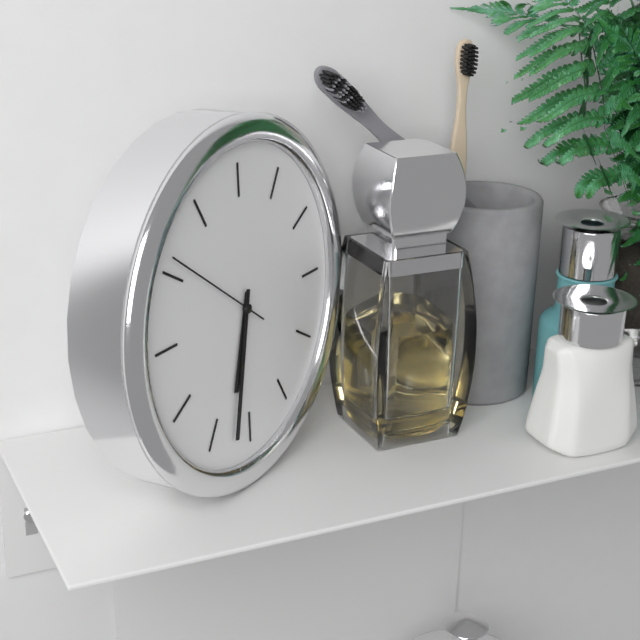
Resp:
6h32m51s
